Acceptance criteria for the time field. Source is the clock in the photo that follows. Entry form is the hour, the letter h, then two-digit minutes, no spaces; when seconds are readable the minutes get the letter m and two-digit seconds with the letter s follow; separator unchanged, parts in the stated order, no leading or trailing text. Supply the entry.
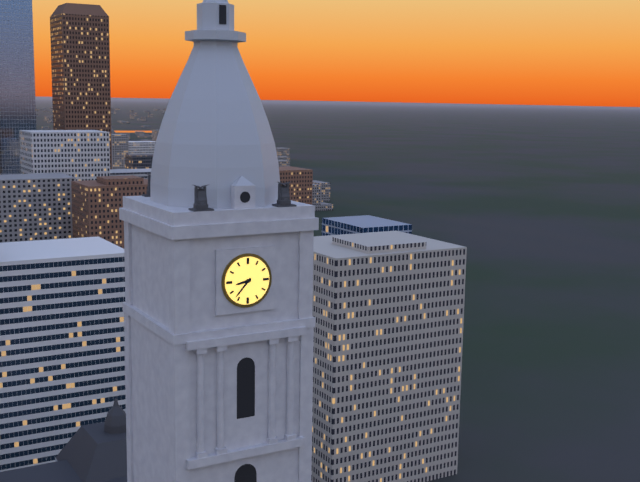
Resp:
8h37
